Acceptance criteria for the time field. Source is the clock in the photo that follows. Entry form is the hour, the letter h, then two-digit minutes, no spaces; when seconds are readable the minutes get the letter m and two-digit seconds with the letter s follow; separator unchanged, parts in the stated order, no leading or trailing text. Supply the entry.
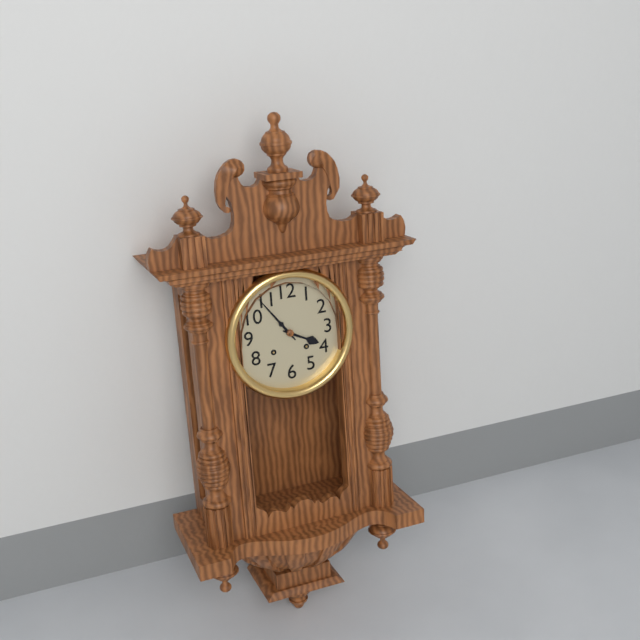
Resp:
3h54
